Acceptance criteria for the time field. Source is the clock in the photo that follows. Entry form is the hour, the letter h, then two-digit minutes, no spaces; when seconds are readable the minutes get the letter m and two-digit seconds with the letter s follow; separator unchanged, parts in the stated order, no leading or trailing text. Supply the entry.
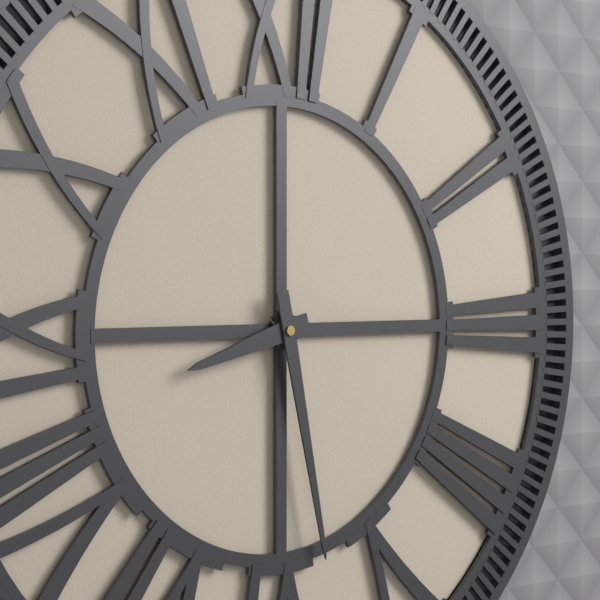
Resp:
8h28
